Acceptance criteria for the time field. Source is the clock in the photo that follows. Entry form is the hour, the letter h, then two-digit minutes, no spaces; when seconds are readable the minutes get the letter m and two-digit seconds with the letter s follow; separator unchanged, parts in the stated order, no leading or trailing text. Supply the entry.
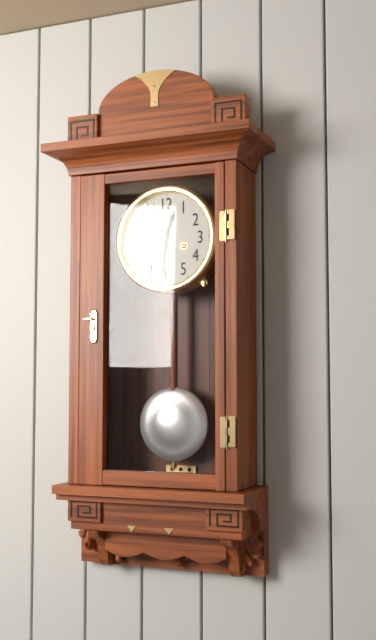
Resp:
12h31
